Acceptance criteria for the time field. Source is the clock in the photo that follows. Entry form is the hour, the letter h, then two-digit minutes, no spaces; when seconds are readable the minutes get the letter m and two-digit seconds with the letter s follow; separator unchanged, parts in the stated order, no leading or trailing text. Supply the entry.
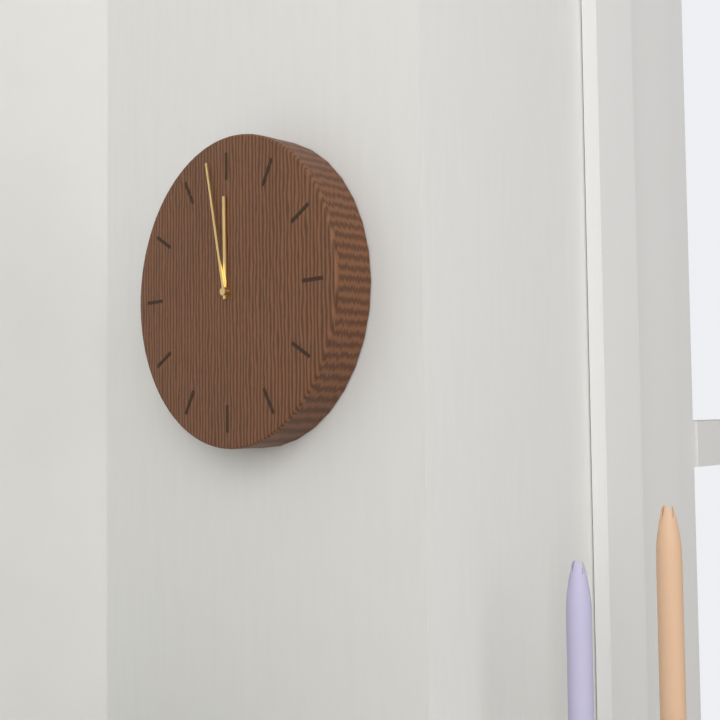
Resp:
11h58
